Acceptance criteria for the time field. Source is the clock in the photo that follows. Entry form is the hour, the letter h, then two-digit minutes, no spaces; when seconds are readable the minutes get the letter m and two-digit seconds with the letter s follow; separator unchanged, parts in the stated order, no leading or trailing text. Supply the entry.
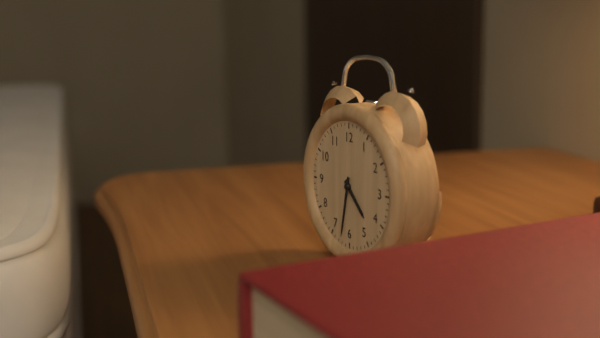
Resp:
4h32
